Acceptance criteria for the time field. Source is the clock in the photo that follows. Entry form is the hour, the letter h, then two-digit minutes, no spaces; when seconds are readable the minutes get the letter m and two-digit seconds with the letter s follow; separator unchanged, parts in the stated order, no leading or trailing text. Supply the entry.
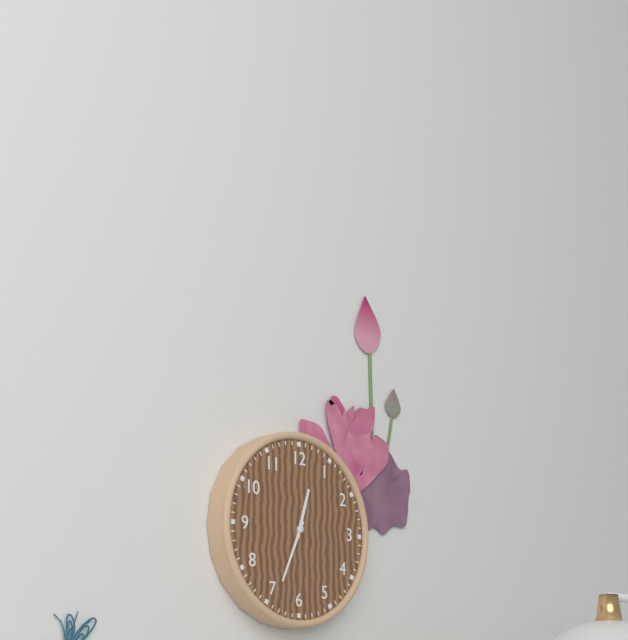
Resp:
12h34
